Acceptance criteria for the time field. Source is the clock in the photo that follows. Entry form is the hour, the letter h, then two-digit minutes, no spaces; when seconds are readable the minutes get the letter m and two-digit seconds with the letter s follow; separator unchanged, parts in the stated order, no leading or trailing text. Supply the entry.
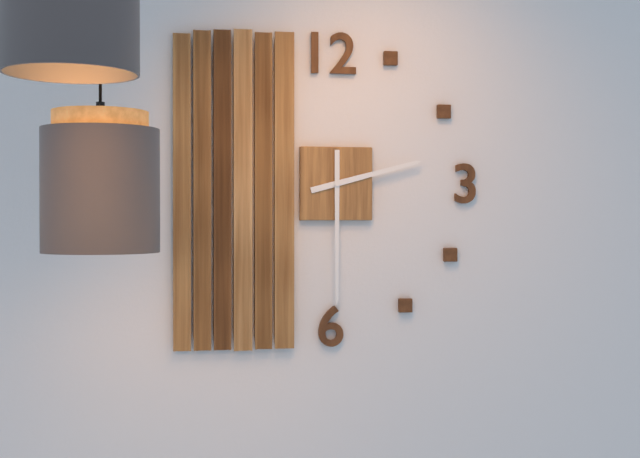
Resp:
2h30
